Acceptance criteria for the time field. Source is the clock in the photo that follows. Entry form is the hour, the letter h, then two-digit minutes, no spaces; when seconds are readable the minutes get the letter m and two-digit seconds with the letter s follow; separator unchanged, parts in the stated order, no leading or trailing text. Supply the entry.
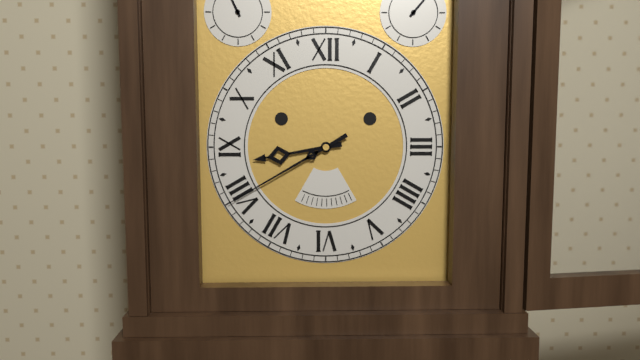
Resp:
8h40
